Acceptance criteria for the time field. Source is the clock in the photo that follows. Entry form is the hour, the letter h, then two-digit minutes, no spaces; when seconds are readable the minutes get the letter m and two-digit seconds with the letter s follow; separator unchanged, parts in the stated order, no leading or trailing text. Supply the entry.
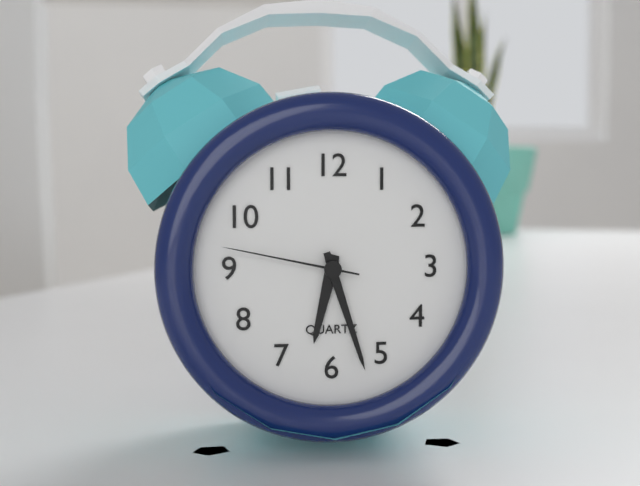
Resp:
6h27m47s
